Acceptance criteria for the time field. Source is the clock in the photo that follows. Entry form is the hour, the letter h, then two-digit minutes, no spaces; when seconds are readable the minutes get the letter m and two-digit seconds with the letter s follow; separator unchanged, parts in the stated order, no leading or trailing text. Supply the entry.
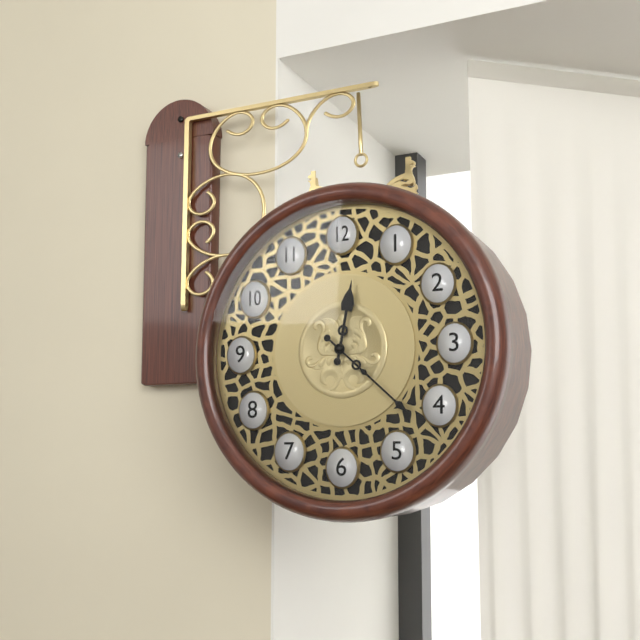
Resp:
12h22
